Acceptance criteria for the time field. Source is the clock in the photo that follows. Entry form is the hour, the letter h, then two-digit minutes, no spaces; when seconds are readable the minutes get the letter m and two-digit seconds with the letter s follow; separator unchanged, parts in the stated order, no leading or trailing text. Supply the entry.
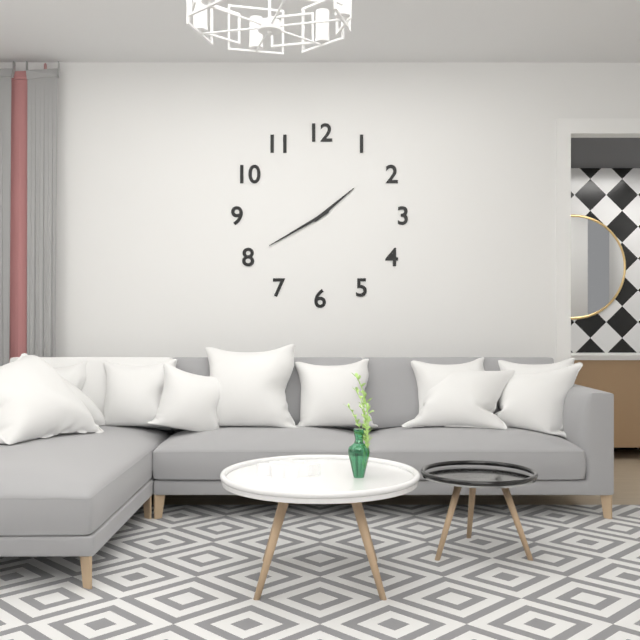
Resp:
1h40
